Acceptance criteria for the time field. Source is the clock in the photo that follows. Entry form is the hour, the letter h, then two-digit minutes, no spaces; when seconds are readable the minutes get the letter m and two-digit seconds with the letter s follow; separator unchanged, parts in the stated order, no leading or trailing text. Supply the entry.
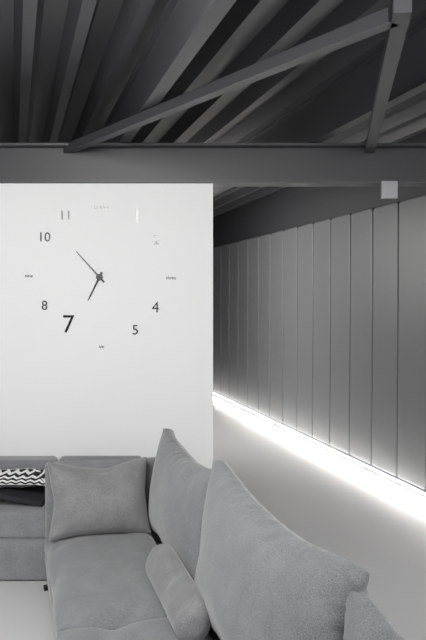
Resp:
6h53
